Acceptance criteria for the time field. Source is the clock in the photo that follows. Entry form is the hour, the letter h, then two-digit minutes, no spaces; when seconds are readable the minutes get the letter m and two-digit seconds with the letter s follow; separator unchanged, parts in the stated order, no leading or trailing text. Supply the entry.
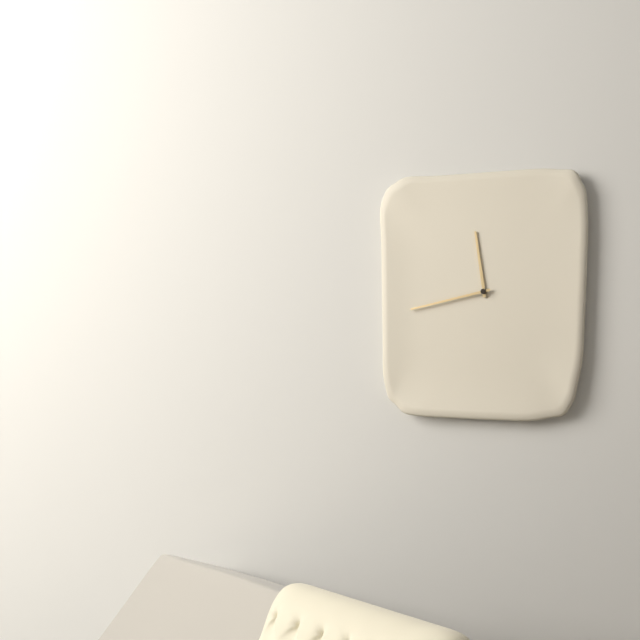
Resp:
11h43
